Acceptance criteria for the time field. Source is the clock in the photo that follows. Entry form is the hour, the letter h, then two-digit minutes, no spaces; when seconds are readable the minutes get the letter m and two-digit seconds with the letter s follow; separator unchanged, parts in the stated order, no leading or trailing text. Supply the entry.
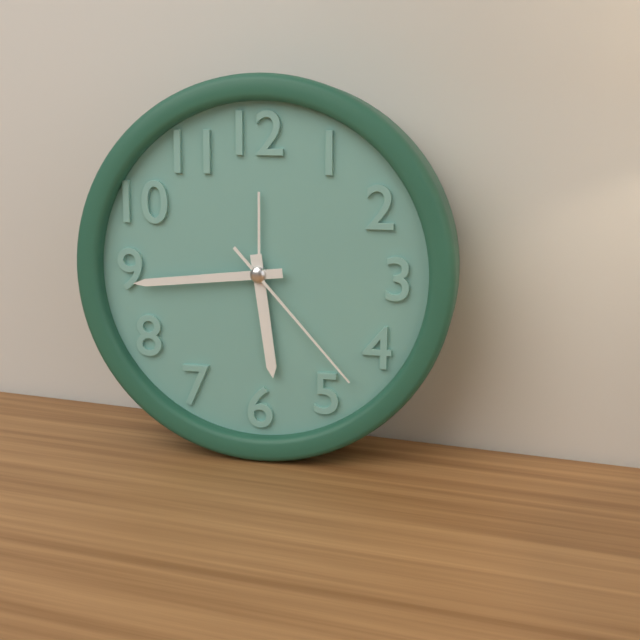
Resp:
5h44m23s
